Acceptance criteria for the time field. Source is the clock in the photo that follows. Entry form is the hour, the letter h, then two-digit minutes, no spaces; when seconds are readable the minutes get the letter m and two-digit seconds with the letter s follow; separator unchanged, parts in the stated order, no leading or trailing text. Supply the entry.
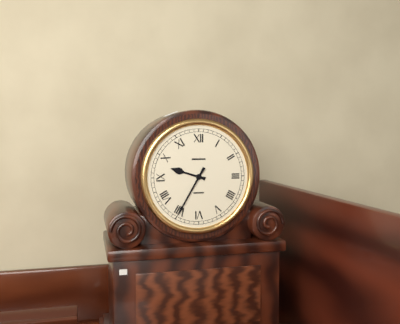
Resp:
9h35
